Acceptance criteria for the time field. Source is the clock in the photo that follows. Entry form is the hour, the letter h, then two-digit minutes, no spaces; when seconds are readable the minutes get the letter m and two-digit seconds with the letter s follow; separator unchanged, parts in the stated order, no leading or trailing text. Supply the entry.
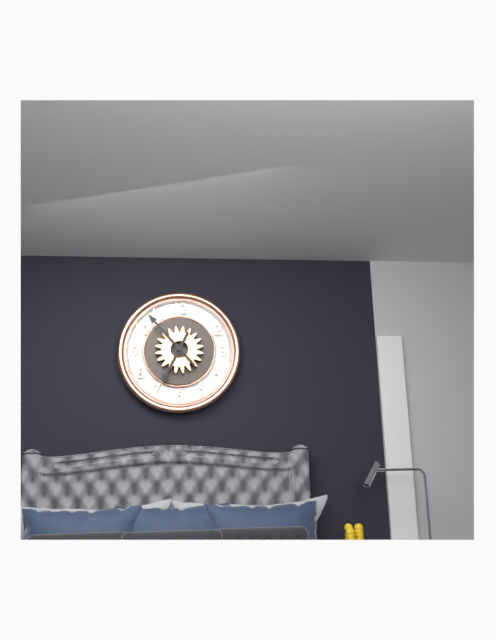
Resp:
6h53
